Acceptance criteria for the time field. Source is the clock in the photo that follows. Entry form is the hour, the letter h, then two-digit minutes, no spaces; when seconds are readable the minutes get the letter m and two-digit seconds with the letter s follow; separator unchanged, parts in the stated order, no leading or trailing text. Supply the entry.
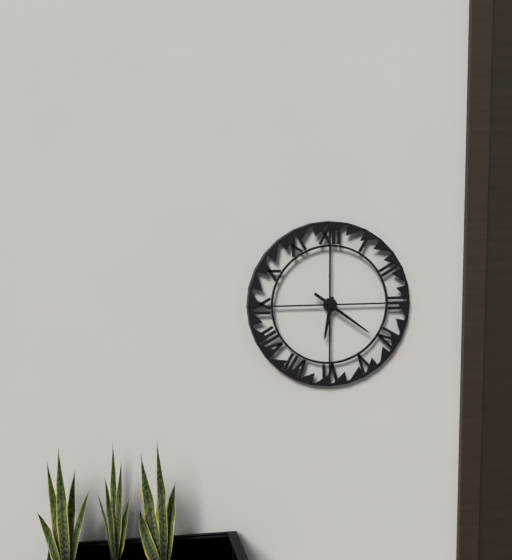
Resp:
6h21
